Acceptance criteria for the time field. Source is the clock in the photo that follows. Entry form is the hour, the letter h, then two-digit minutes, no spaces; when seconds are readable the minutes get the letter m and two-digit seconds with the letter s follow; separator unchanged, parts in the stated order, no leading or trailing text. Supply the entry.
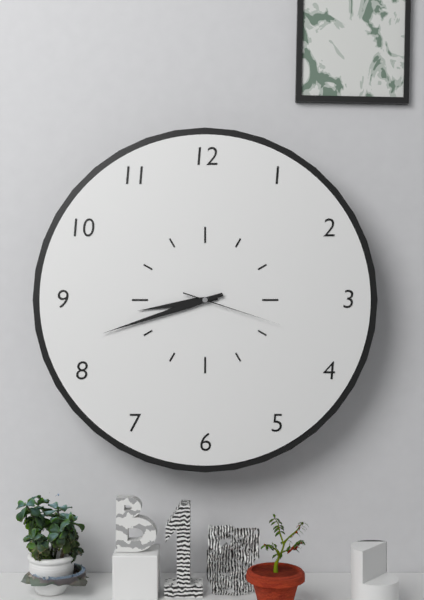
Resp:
8h42m18s
